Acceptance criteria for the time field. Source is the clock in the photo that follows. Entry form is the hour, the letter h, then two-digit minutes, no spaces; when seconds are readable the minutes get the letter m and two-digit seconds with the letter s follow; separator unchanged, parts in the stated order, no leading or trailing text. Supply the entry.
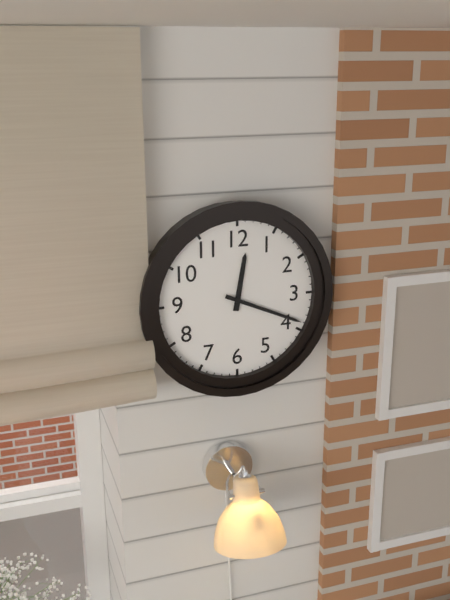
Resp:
12h19
